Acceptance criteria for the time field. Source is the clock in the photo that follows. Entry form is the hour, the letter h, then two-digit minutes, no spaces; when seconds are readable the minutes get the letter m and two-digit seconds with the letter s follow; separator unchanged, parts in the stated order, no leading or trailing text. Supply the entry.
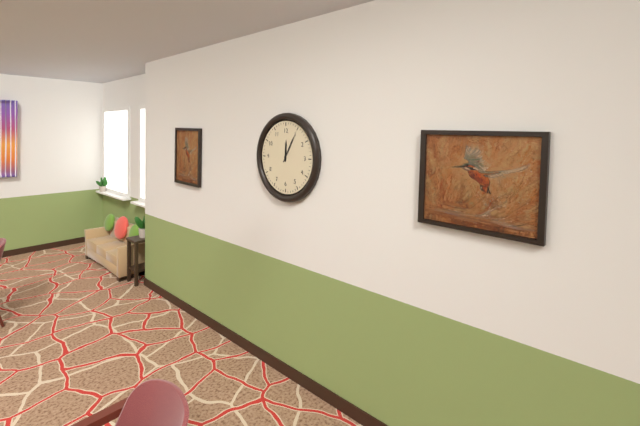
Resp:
12h05
